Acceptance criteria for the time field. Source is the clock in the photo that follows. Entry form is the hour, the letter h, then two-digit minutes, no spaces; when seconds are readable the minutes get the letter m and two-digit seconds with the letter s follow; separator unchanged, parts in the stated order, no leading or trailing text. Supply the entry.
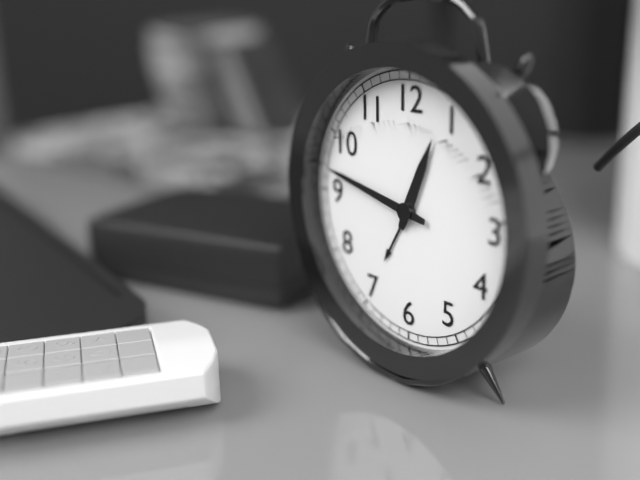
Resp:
12h47
